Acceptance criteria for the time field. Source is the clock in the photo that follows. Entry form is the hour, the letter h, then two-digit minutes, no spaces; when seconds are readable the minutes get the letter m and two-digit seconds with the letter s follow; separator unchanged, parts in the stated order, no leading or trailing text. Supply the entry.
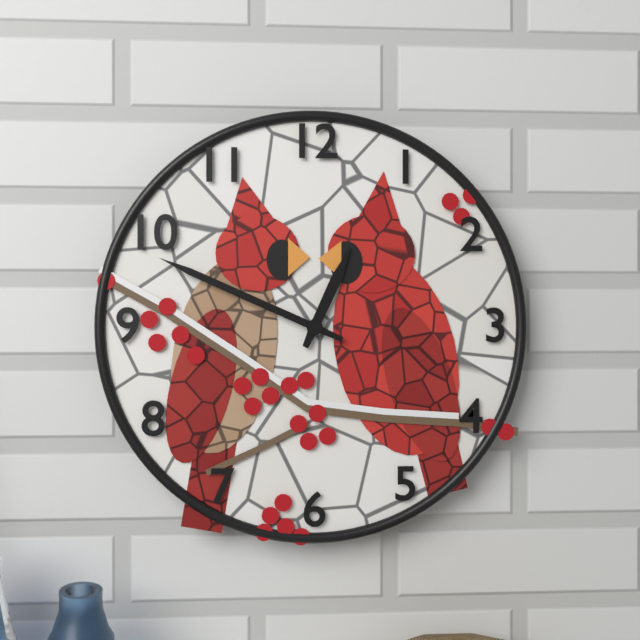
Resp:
12h49
